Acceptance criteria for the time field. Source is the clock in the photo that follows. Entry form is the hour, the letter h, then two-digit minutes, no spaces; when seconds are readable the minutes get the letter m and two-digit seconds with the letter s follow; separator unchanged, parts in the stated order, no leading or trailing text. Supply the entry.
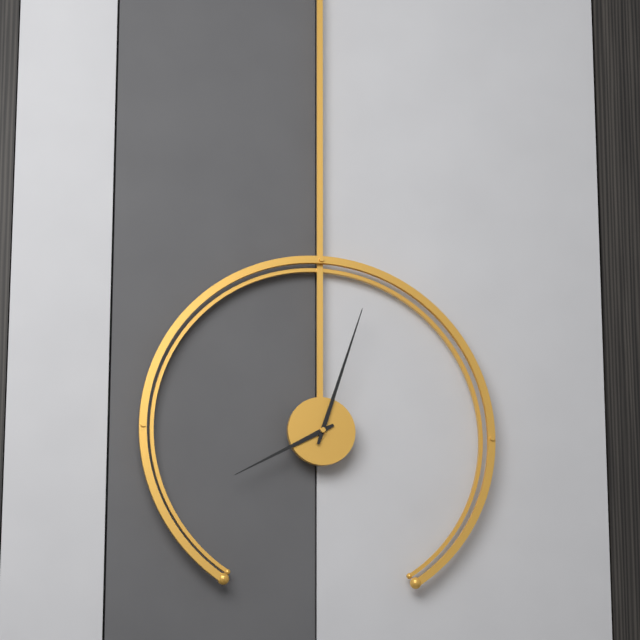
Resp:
8h03
